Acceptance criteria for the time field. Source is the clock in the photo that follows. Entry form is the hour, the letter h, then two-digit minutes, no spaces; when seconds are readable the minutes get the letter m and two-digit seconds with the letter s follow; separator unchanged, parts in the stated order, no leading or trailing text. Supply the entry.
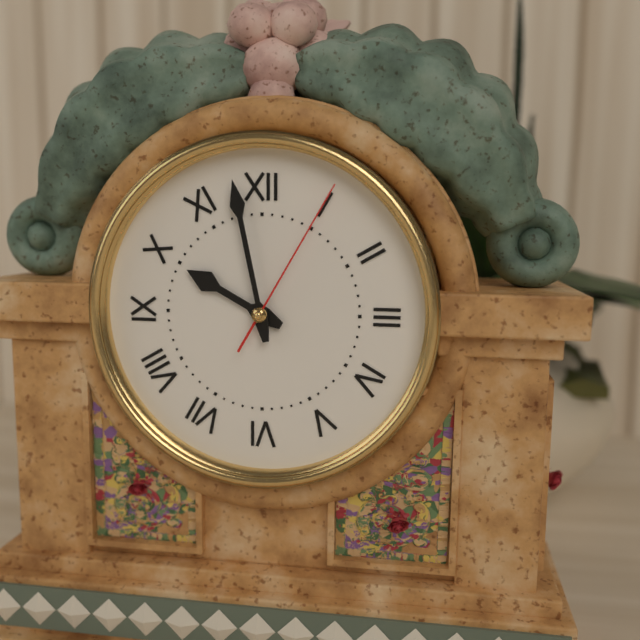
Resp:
9h58m05s
